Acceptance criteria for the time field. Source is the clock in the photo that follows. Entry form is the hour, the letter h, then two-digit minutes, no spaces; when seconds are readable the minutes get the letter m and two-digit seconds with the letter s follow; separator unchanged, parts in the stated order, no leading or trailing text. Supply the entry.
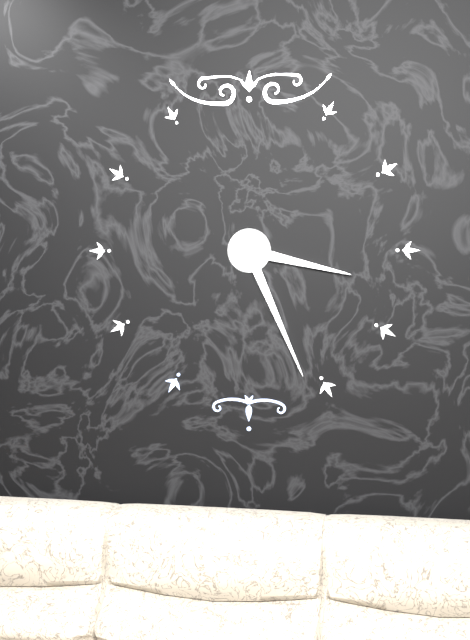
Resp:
3h26
